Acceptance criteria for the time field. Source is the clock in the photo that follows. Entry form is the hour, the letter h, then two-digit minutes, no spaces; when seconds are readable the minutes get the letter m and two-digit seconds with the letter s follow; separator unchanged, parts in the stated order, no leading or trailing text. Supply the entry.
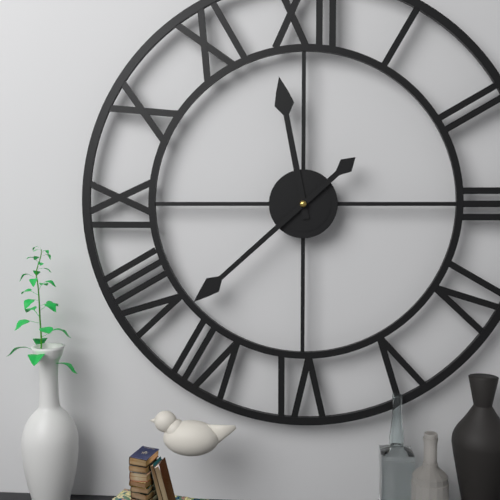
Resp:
11h38
